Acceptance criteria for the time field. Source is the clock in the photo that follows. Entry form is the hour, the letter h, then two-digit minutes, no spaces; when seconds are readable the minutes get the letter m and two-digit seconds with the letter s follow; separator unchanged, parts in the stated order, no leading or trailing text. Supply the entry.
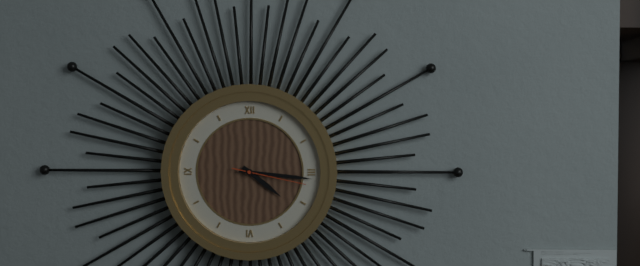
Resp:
4h16m17s
